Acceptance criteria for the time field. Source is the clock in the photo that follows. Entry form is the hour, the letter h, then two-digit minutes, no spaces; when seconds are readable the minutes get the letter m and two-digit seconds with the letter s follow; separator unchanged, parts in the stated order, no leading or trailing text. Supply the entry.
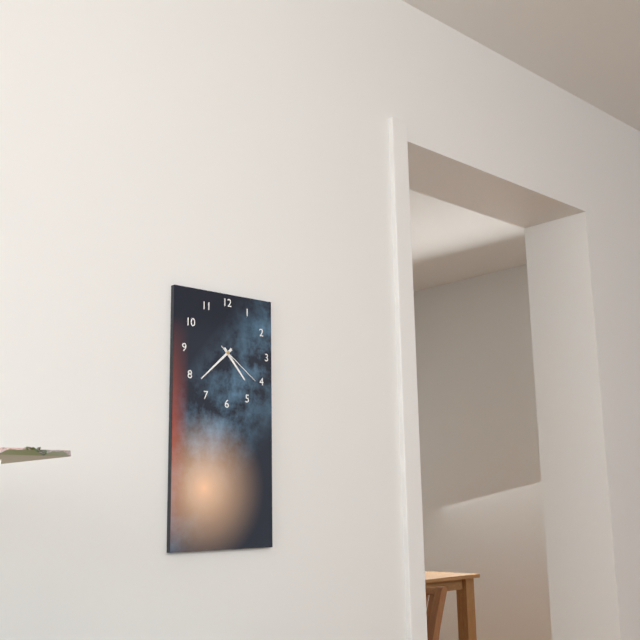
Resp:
4h38m21s
